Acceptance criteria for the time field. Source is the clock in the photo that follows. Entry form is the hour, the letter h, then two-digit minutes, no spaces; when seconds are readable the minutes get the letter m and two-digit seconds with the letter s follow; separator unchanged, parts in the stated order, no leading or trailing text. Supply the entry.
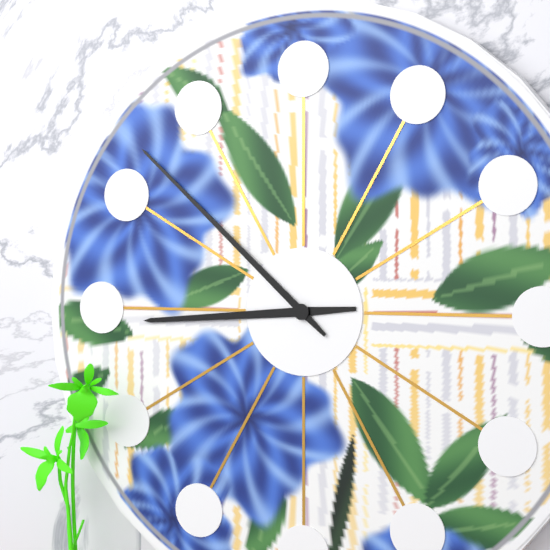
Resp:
8h52
